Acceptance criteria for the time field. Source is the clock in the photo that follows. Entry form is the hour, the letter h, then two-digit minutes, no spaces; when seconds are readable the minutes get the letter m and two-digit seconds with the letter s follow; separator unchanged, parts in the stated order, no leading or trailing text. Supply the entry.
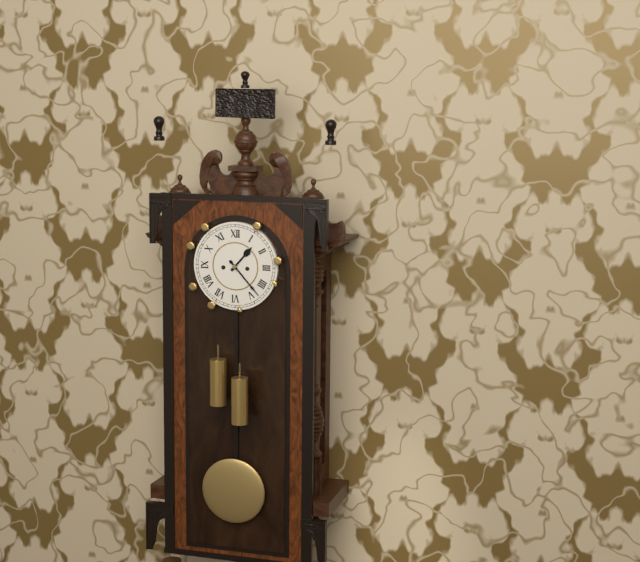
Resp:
1h23
